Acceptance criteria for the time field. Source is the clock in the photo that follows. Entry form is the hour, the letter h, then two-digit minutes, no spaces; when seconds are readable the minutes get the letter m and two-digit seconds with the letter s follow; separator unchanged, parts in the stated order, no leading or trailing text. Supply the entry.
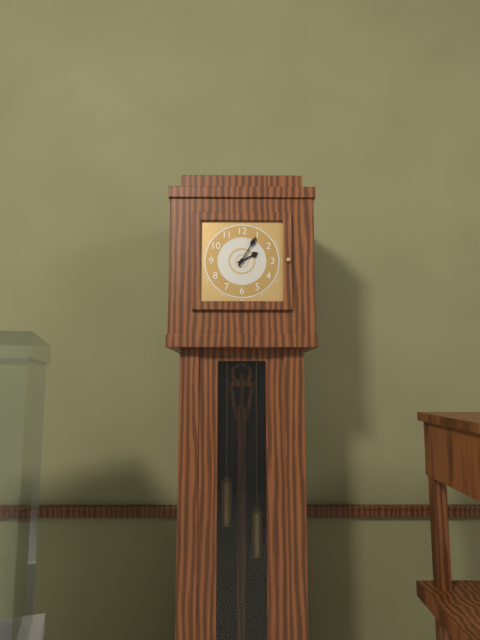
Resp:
2h05
